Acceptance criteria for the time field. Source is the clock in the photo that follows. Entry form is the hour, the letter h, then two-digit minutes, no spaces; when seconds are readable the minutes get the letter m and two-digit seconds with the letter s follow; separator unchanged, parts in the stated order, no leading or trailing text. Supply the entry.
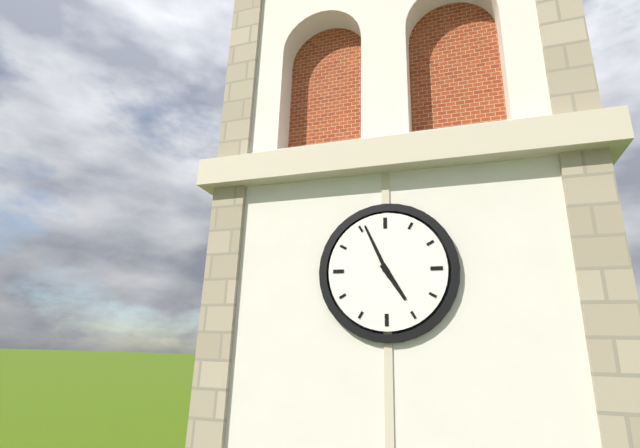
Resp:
4h56
